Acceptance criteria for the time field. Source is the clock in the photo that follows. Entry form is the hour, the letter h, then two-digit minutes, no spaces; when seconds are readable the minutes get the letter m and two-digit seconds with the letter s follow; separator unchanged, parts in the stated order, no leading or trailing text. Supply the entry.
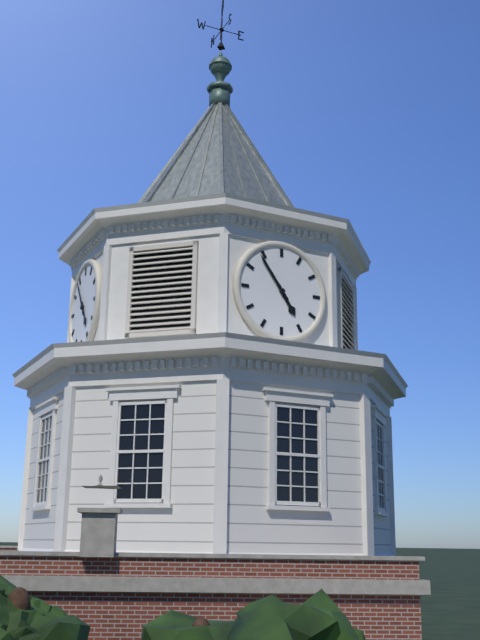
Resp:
4h54
